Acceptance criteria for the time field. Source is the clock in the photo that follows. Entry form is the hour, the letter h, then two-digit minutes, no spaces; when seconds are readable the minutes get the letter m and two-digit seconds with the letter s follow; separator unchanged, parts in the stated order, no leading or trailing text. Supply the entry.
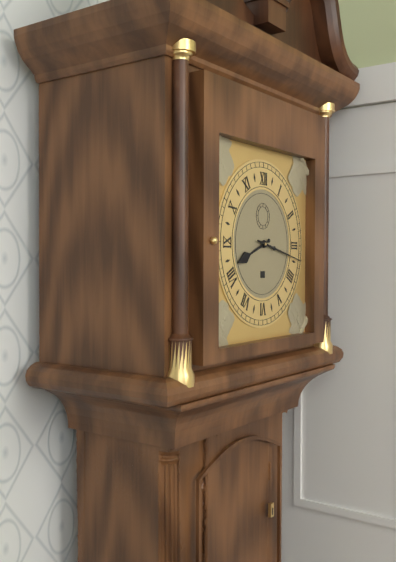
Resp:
8h17
